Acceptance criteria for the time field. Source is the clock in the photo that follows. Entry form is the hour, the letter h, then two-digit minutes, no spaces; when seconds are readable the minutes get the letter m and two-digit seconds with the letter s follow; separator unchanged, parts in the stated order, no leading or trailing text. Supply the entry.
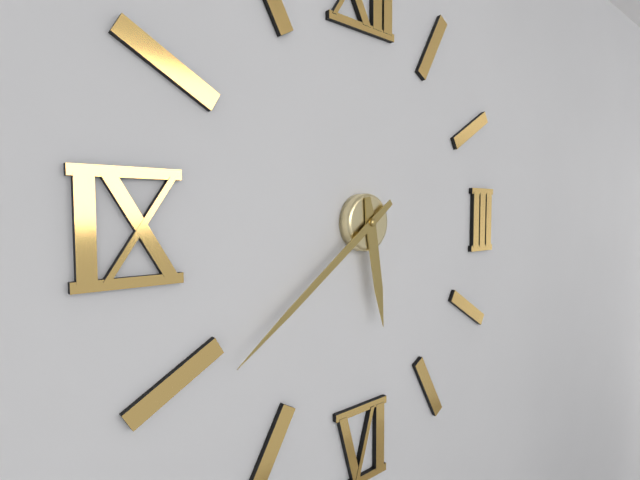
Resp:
5h39
